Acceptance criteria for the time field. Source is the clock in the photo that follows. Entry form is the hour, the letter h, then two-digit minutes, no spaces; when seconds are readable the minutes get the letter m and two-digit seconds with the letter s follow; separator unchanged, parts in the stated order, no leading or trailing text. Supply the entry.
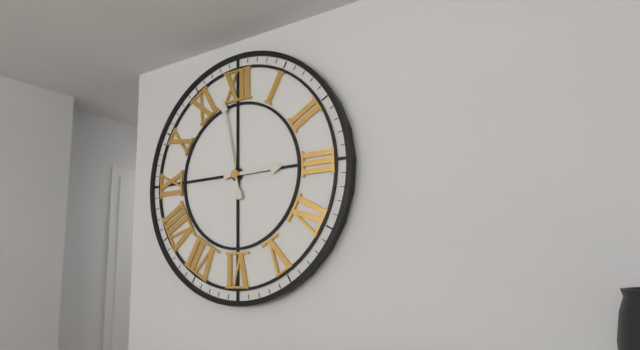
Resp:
2h58
